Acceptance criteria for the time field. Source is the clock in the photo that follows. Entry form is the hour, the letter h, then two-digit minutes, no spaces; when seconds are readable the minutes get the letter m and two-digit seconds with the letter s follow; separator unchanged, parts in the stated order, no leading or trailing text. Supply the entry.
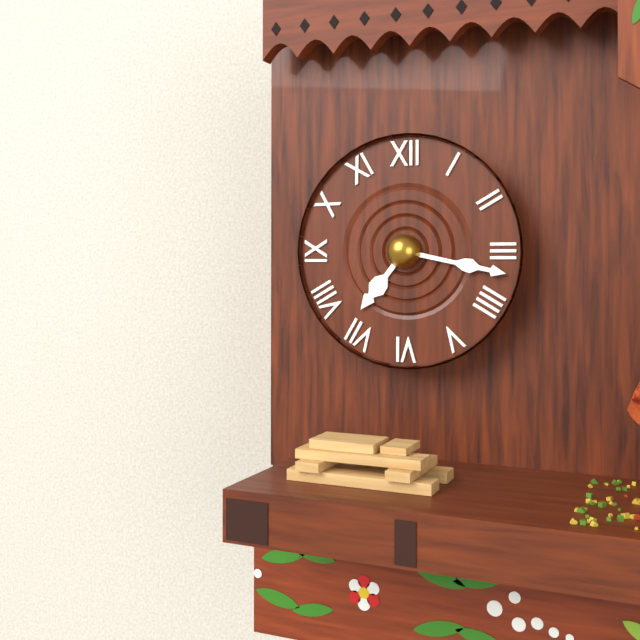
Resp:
7h17
